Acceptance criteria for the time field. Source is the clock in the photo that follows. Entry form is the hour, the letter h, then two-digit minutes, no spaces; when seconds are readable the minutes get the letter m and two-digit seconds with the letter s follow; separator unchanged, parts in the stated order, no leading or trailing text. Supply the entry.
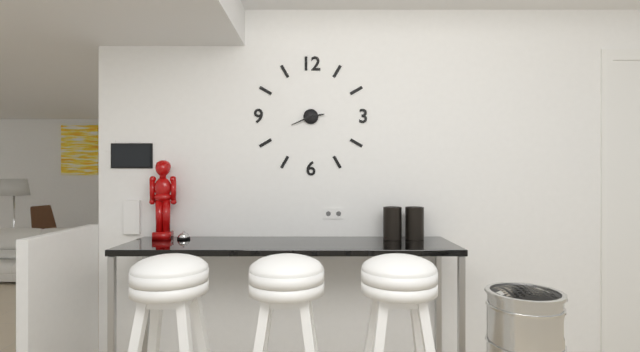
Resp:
2h41
